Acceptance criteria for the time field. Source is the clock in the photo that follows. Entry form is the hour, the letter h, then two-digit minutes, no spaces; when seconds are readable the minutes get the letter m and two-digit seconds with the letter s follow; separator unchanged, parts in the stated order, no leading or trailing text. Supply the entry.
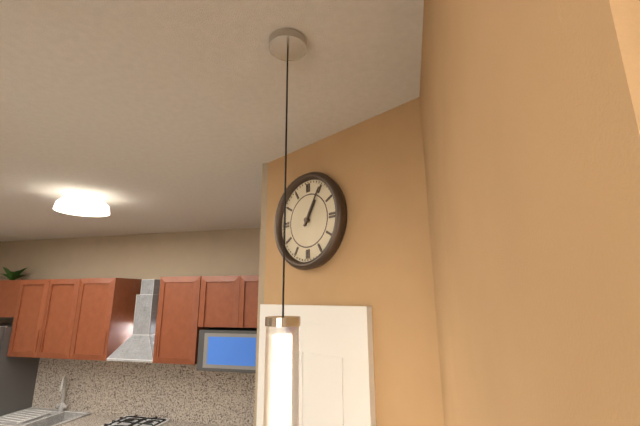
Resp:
1h05
